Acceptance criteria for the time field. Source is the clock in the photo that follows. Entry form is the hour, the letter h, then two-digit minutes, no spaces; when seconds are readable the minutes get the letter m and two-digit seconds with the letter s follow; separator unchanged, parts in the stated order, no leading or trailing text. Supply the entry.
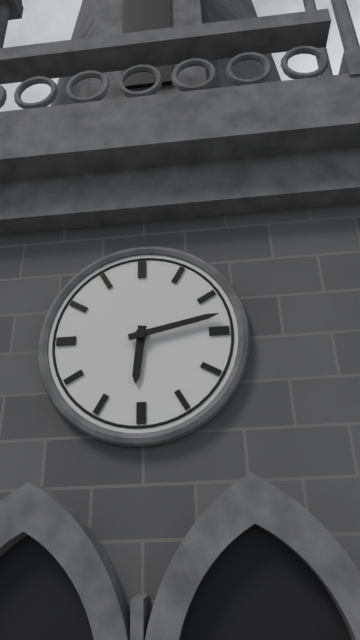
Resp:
6h13
